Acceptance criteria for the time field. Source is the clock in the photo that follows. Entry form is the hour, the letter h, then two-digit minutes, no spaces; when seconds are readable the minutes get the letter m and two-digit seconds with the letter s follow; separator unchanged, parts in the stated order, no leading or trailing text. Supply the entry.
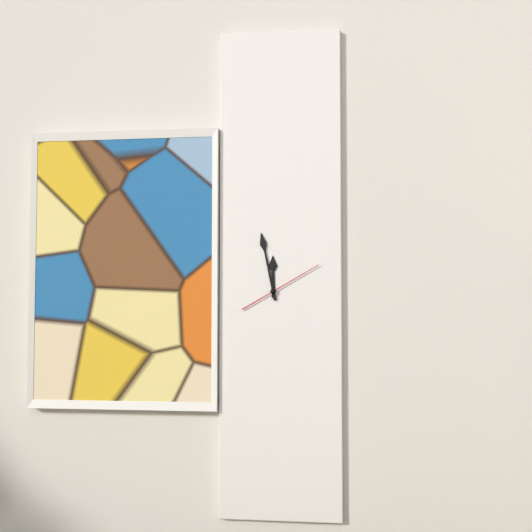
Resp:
11h58m10s
